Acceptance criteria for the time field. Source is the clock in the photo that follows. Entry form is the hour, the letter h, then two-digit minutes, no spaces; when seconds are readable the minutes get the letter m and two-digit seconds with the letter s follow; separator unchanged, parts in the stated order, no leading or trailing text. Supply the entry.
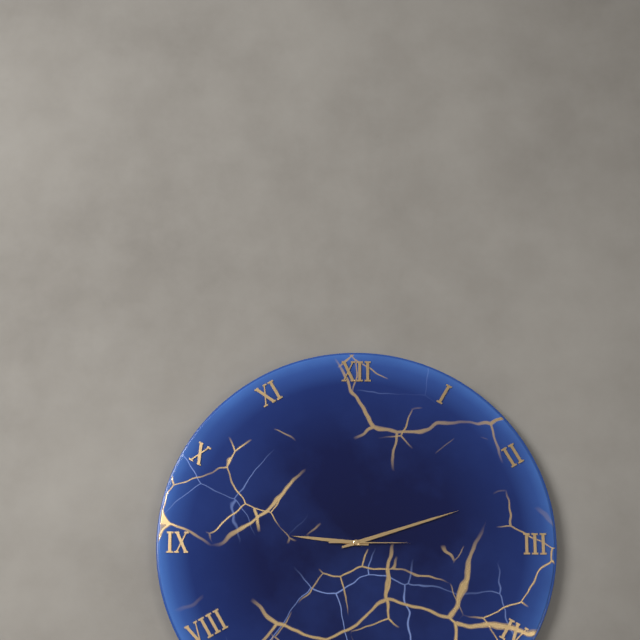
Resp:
9h12m15s
